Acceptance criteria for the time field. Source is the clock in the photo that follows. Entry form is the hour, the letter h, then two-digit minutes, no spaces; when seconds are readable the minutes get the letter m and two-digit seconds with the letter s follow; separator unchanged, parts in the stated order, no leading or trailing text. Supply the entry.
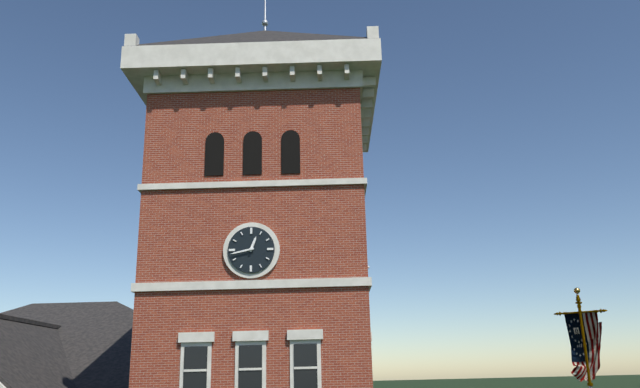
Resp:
12h43
